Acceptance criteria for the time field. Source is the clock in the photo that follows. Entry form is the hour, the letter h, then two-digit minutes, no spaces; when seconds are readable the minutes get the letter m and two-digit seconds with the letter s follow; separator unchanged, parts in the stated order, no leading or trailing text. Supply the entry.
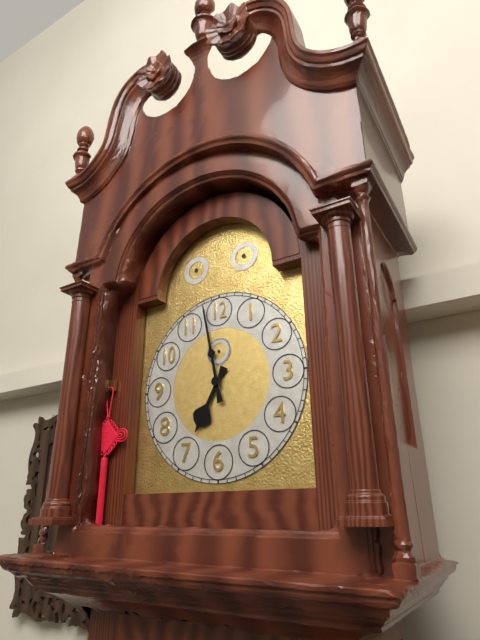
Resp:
6h58
